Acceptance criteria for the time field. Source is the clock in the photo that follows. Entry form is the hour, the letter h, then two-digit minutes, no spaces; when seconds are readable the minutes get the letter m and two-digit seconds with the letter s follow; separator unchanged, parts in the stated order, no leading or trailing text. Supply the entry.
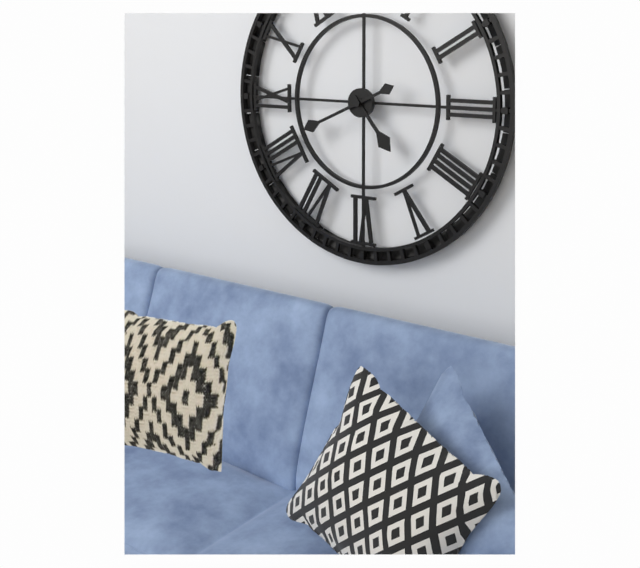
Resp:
4h41
